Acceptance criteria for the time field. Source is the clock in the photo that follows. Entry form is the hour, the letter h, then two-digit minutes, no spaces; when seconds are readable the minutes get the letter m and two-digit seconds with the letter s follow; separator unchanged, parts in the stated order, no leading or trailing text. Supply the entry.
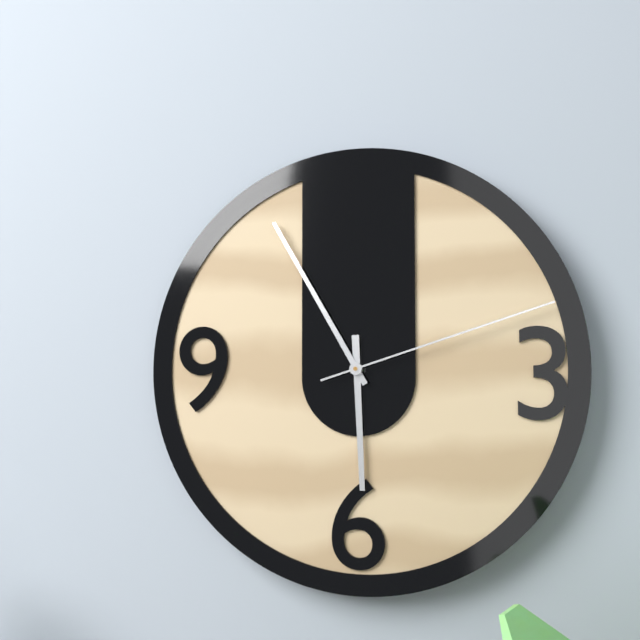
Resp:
5h55m12s
